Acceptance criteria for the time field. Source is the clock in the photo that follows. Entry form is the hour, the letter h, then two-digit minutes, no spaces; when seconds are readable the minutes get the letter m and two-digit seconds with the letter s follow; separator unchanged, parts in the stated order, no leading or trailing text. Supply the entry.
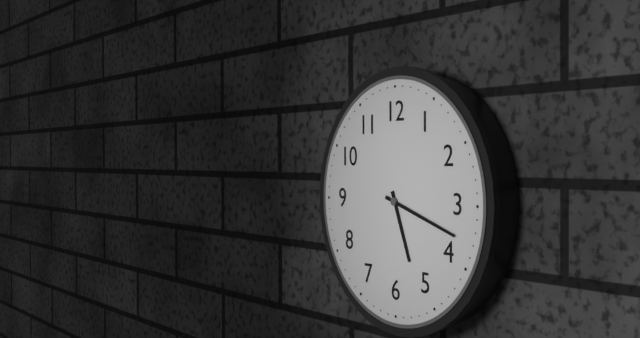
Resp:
5h18
